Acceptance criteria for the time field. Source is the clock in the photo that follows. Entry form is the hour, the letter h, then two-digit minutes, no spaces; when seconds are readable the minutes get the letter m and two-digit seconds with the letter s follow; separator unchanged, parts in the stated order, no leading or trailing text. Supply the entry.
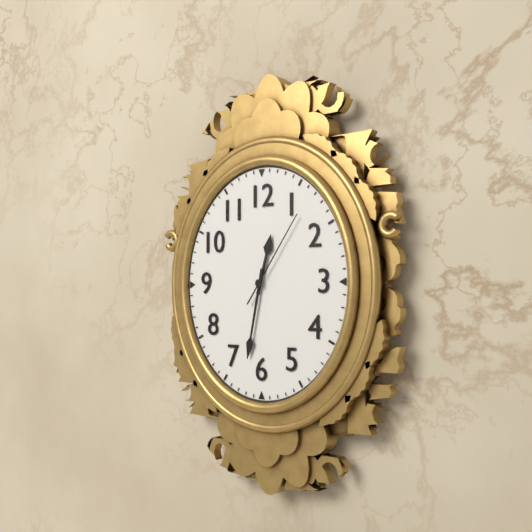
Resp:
12h32m06s
